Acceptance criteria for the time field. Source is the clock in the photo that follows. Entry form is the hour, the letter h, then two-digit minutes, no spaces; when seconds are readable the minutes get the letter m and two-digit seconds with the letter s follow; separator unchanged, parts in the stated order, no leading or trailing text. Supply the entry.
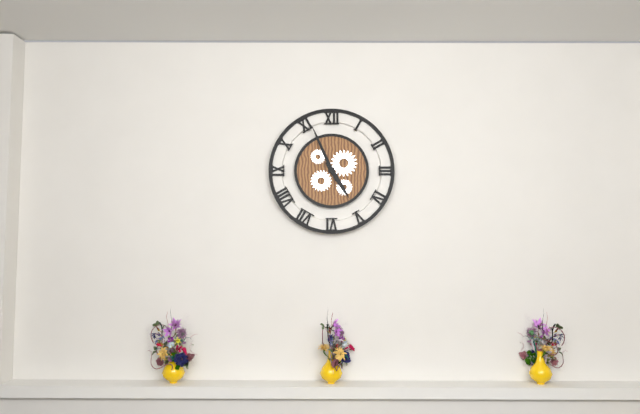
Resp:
4h56
